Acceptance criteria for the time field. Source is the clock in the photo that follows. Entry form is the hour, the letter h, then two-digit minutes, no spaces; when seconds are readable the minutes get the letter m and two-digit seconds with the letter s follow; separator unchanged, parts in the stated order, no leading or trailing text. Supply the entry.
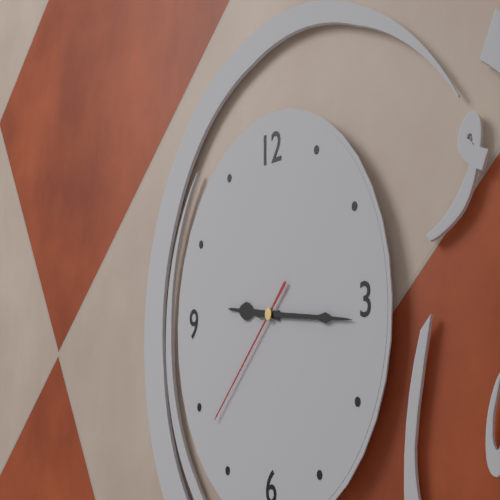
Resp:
9h16m38s
